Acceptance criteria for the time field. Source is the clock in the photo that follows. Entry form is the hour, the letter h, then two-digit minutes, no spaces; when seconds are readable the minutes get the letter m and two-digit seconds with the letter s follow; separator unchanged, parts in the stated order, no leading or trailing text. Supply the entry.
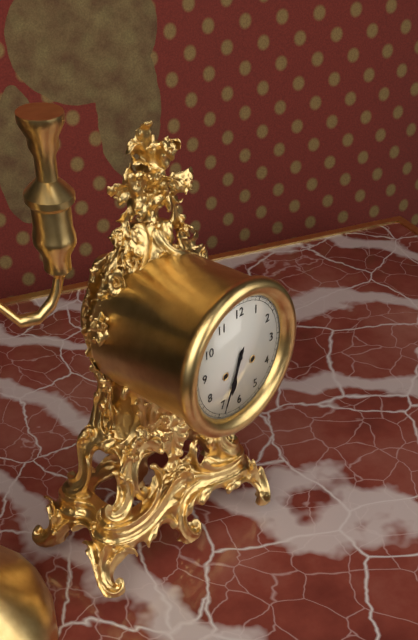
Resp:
6h34
